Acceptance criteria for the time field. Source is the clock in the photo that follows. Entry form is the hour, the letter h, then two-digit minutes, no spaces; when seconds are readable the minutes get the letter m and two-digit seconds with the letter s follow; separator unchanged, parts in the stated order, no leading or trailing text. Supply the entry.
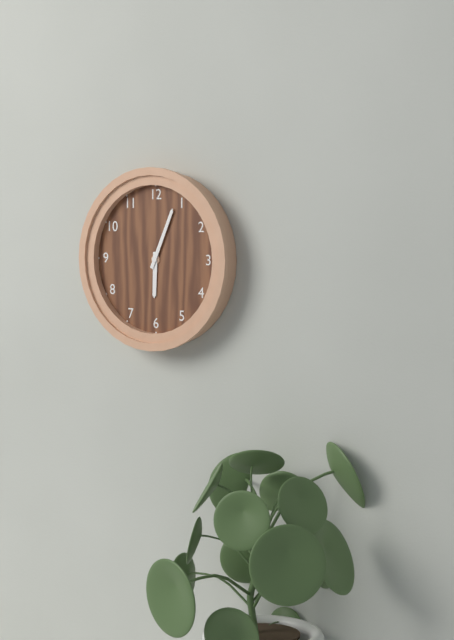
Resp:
6h04
